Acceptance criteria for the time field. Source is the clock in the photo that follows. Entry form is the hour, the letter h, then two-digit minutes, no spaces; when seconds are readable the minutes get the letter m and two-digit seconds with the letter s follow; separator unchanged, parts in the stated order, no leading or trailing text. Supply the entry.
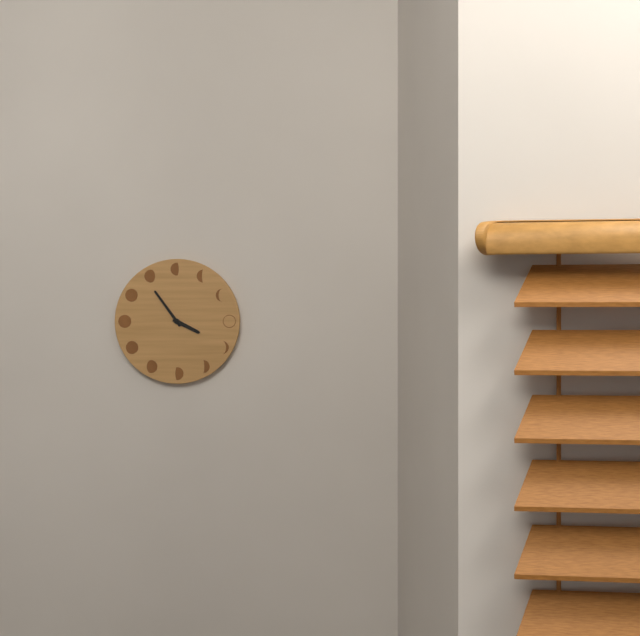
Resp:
3h54
